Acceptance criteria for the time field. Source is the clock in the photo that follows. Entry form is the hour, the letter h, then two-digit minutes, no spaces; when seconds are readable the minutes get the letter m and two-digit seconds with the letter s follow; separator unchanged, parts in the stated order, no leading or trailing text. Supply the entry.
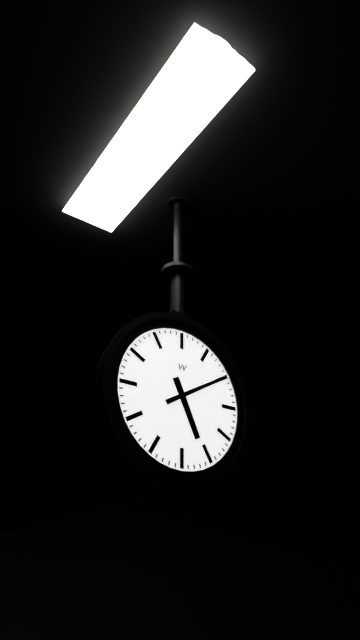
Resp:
5h10
